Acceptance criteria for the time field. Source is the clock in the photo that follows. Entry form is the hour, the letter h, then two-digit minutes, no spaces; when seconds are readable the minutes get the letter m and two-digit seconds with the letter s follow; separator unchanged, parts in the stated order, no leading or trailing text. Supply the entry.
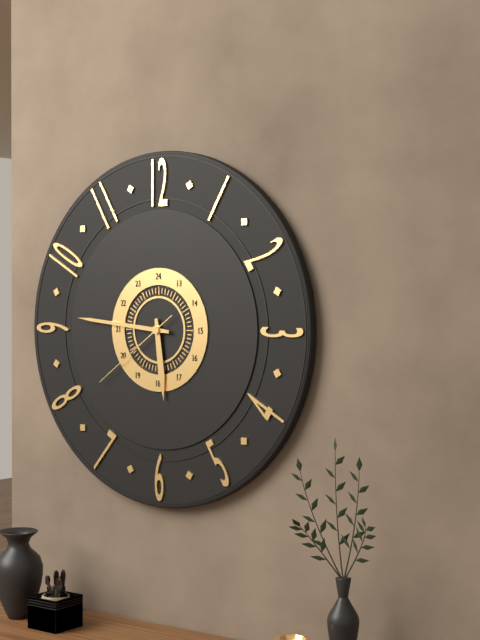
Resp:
5h46m39s
